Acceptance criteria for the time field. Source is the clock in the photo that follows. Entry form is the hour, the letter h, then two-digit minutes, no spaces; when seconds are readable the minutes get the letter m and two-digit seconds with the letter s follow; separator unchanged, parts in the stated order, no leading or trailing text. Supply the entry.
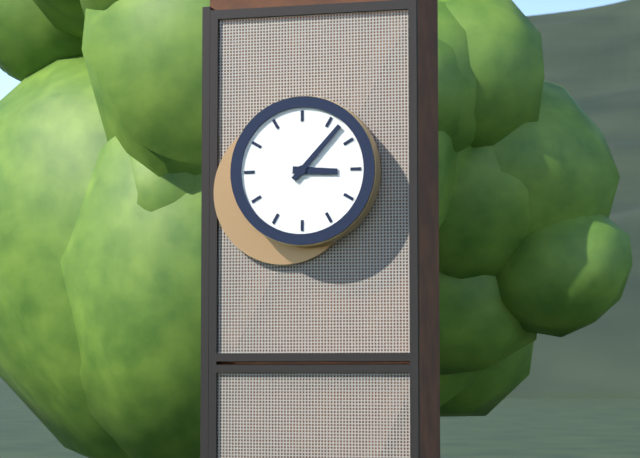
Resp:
3h07
